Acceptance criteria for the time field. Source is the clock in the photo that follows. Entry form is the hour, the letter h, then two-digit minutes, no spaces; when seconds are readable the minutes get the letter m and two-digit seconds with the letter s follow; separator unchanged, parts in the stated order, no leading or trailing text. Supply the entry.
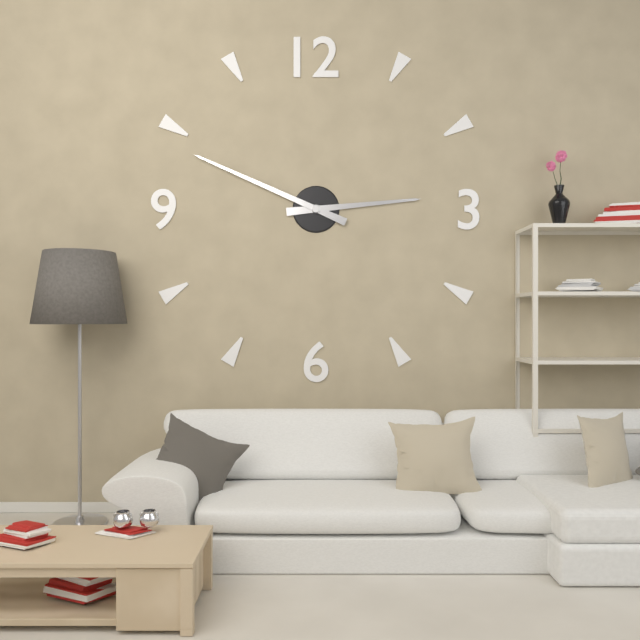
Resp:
2h49
